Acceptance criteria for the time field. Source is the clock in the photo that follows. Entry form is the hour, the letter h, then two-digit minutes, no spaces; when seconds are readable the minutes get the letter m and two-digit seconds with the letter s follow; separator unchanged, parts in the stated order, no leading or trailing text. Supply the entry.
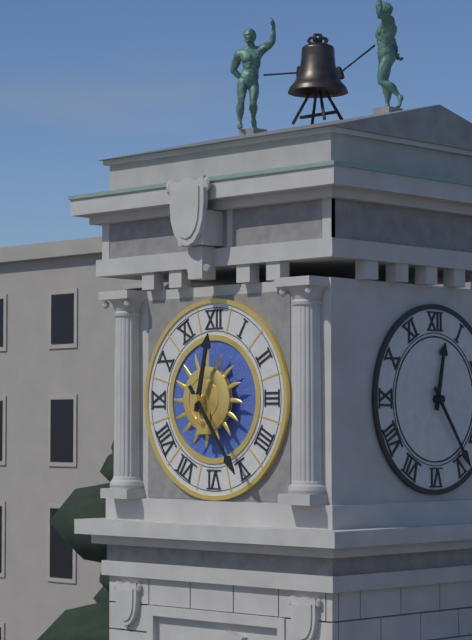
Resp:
12h24
